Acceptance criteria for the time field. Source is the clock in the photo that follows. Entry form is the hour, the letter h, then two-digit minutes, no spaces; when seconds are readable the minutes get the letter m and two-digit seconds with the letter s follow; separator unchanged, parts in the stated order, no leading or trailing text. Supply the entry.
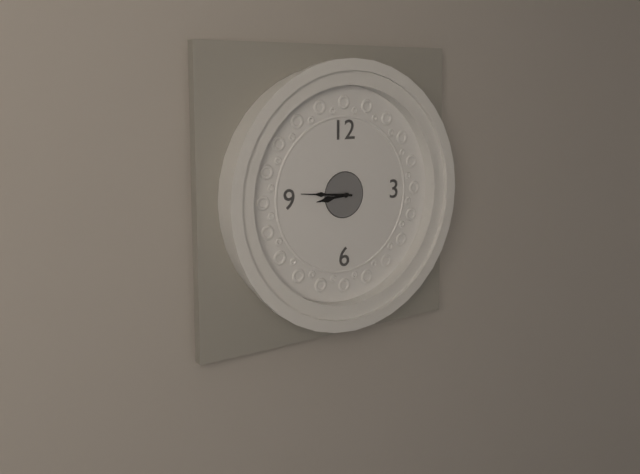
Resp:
8h46
